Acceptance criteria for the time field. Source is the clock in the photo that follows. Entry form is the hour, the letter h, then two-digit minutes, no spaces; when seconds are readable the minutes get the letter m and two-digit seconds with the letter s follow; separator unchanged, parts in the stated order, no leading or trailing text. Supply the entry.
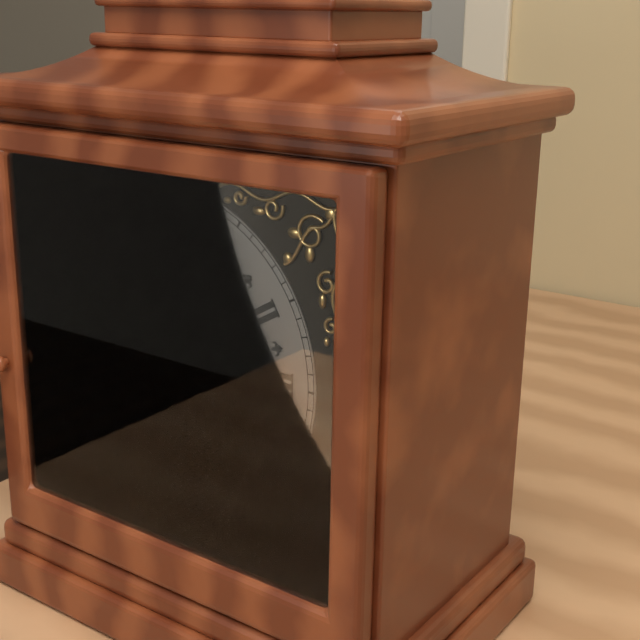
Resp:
11h50
